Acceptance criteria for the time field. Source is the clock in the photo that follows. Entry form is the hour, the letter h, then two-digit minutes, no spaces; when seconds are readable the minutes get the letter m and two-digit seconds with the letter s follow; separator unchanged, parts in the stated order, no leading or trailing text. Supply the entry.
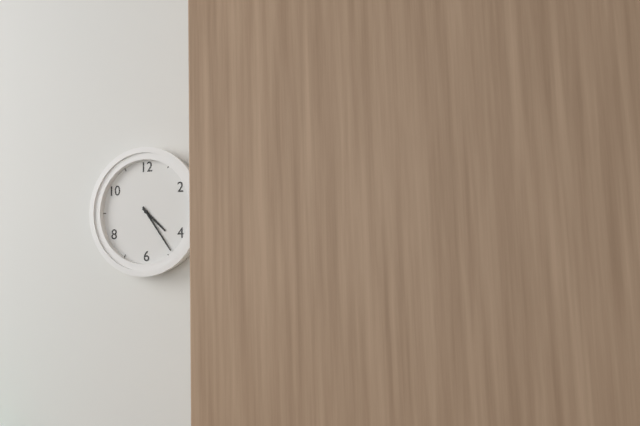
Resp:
4h24
